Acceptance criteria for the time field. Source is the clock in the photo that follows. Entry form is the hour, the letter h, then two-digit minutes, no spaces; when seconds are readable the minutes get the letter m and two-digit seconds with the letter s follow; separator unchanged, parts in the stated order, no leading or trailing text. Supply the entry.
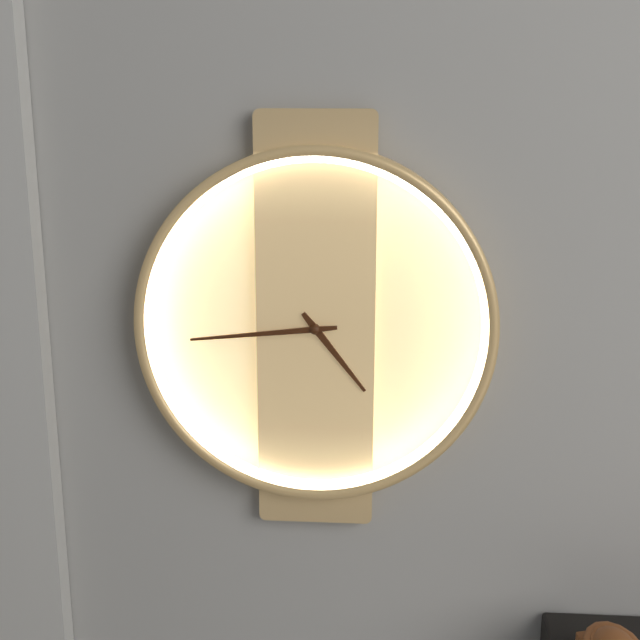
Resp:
4h44
